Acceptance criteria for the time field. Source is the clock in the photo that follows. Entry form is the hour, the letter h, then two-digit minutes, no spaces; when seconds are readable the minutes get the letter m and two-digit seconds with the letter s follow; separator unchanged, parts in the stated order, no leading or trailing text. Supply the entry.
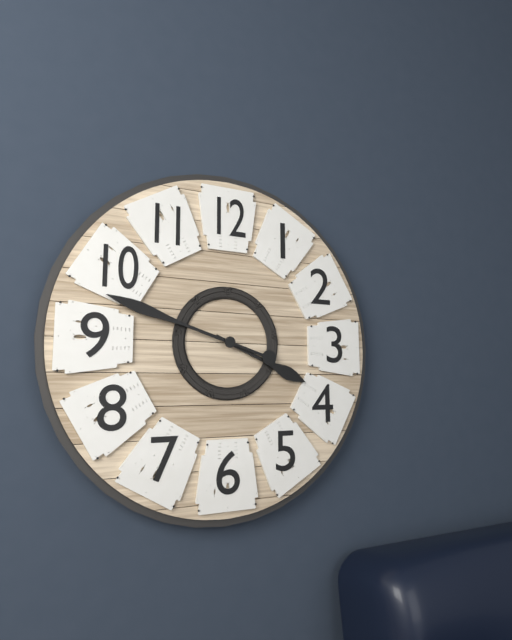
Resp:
3h48
